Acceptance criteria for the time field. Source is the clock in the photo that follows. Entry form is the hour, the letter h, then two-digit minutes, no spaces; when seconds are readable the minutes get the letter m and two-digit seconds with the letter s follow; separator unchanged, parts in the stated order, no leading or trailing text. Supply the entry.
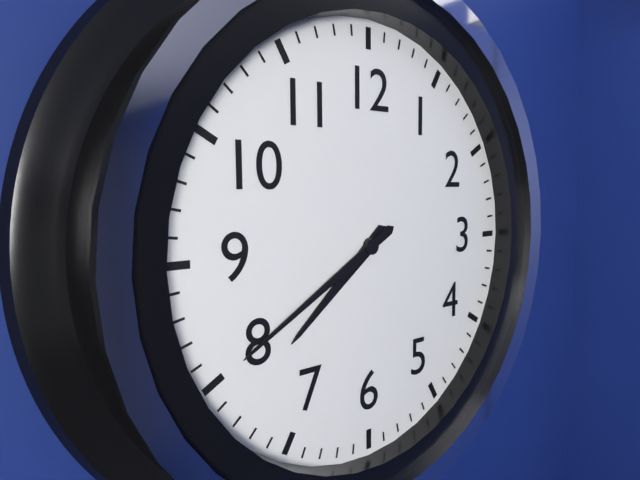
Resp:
7h40
